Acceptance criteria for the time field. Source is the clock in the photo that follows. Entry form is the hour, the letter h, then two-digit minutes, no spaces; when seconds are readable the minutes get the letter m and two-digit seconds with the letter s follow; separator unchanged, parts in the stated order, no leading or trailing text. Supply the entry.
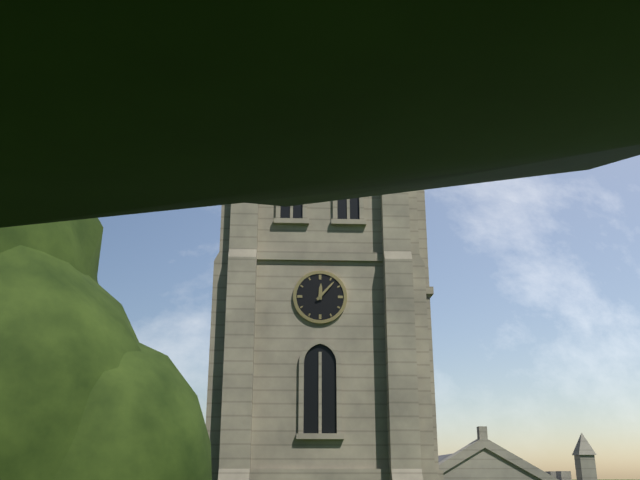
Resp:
12h07
